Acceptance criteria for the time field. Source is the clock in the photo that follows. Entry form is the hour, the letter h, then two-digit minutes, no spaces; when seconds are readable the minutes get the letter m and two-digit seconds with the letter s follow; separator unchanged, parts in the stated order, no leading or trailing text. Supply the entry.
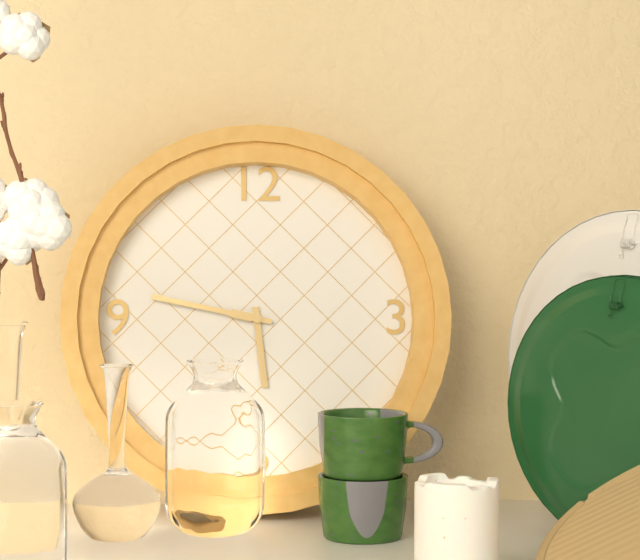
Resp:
5h47
